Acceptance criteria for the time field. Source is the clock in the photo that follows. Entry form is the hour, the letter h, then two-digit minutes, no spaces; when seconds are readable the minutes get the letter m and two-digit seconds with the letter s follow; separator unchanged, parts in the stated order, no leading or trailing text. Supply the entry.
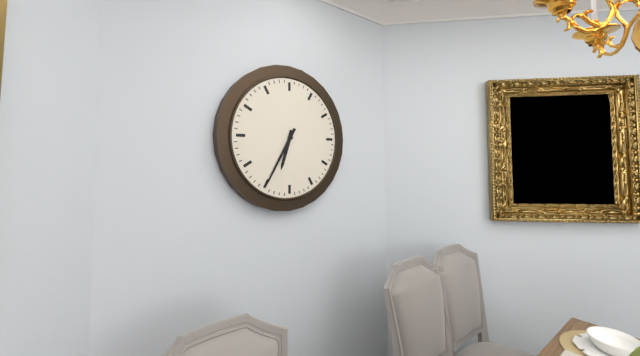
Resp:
6h35
